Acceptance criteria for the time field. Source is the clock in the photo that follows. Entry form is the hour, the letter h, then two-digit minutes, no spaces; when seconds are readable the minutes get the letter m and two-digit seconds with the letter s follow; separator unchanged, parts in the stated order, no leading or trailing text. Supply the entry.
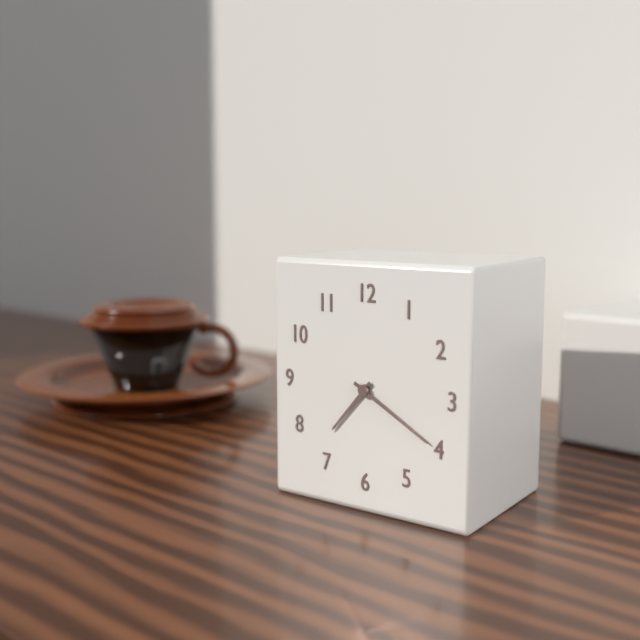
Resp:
7h20
